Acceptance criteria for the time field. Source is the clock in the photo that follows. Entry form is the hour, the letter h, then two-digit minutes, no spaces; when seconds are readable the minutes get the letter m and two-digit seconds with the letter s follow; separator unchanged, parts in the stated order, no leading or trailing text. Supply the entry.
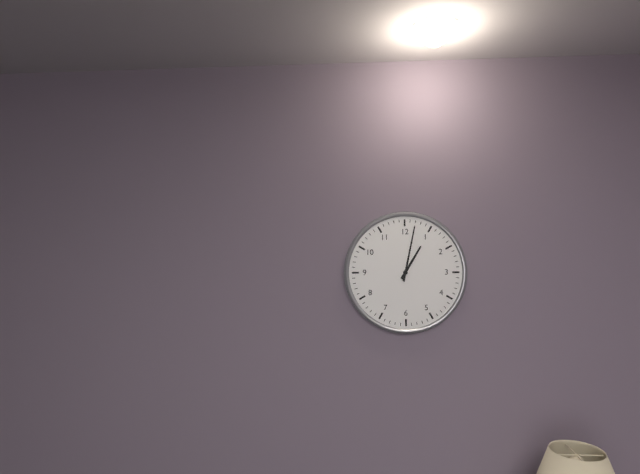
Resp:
1h02
